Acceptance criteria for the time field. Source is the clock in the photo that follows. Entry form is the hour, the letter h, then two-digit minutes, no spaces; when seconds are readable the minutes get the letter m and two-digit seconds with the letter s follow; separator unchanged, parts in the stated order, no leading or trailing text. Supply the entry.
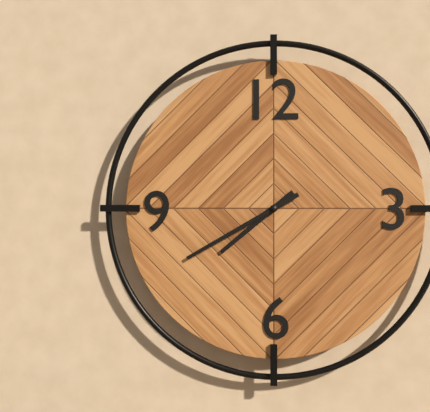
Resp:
7h40
